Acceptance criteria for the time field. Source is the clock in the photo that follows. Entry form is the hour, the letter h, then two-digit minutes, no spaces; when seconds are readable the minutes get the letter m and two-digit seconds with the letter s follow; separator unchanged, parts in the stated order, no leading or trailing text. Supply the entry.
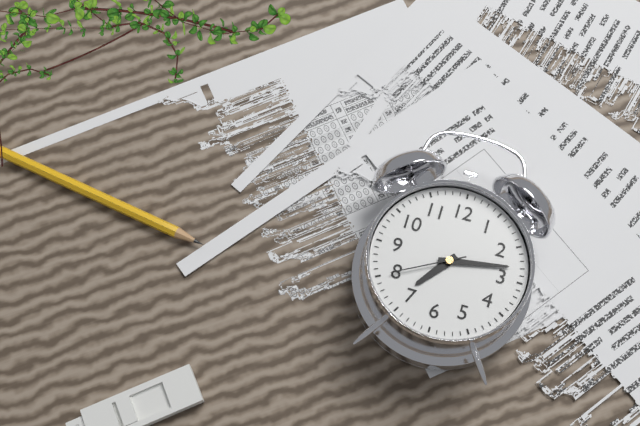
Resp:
7h13m40s
